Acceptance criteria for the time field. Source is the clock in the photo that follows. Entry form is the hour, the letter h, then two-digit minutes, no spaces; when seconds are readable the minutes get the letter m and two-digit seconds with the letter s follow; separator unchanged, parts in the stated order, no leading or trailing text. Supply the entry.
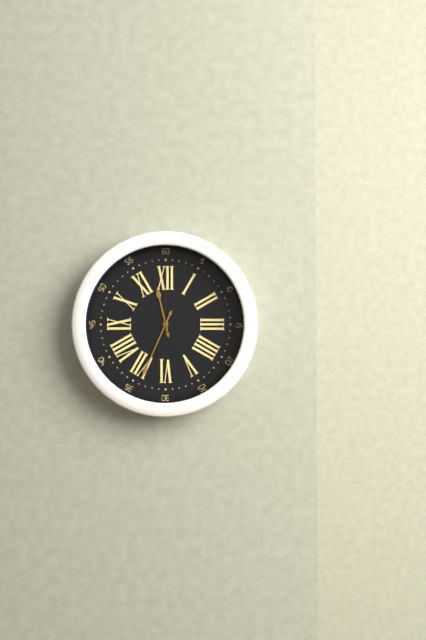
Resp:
11h34m00s
